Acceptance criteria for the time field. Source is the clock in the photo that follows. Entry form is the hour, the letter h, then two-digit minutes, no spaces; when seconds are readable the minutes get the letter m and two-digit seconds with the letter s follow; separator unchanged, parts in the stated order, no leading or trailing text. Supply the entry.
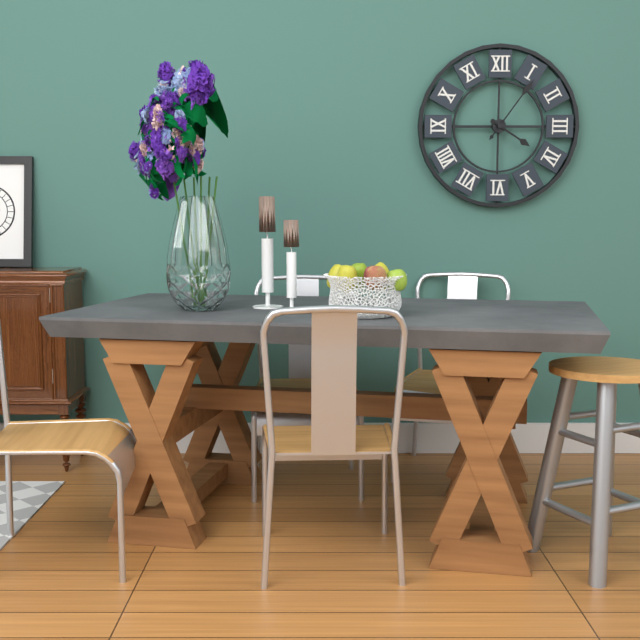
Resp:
4h06
